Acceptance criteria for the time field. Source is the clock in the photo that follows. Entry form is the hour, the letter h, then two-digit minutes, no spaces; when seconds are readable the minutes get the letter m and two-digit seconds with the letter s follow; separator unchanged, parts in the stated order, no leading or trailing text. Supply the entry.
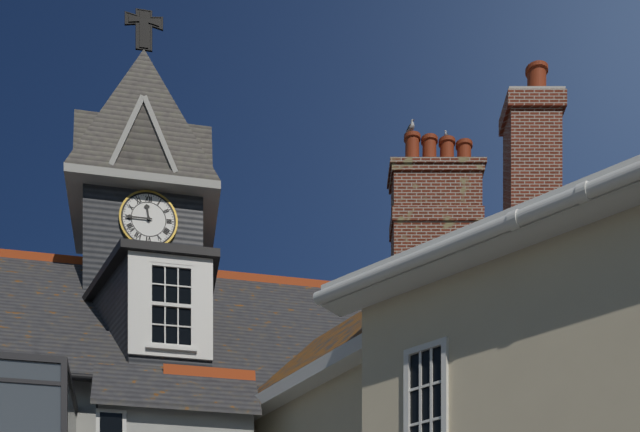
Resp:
11h45
